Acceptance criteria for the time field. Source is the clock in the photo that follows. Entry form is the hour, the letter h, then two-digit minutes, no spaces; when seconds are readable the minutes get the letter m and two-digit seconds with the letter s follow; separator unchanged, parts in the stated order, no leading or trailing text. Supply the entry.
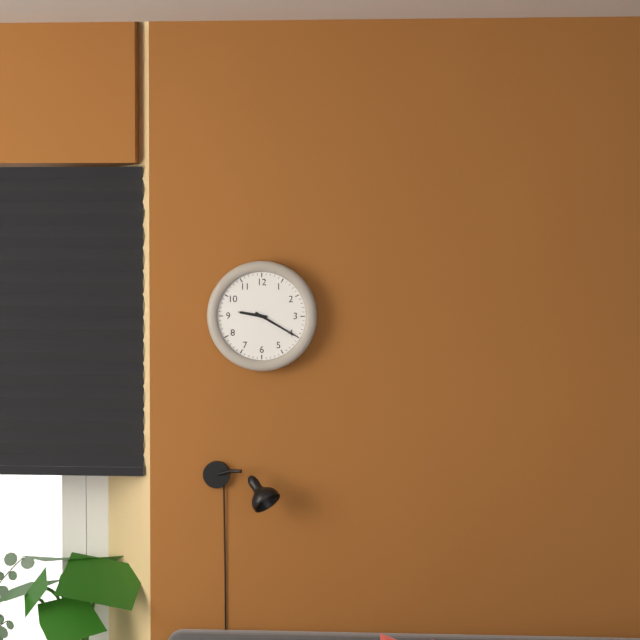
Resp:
9h20
